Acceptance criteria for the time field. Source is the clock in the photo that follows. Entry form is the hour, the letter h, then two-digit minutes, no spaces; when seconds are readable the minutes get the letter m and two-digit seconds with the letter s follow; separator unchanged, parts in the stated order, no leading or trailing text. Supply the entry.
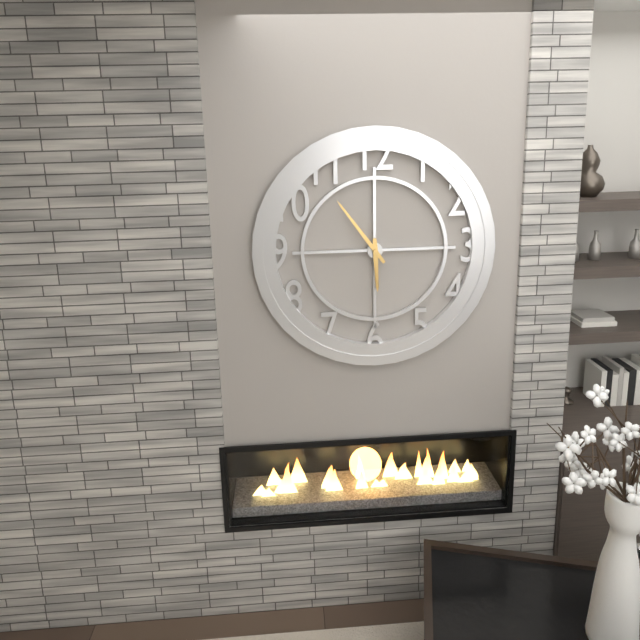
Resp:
5h54
